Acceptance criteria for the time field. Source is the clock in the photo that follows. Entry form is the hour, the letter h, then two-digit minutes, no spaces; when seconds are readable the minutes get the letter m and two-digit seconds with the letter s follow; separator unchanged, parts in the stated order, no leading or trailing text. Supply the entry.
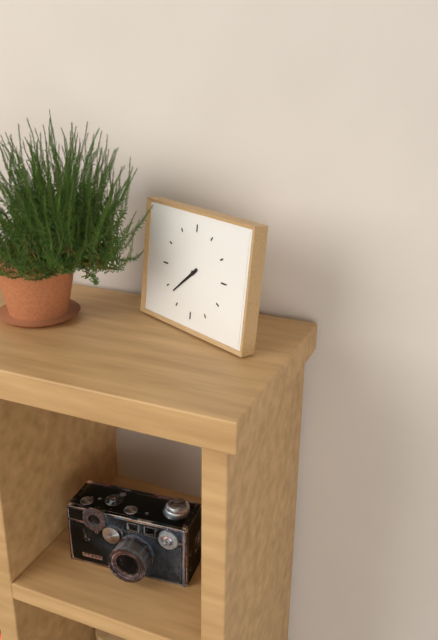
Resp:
7h38
